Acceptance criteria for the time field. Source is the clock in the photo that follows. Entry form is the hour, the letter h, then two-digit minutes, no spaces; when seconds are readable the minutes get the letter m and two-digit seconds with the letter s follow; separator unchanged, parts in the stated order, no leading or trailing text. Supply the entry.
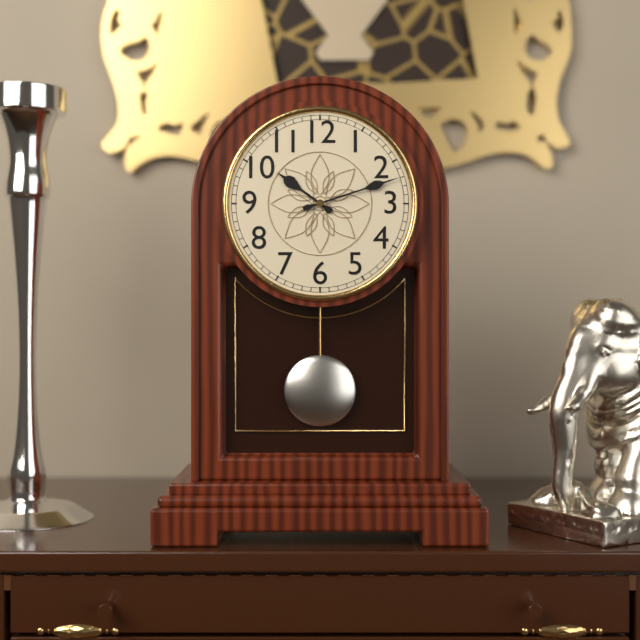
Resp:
10h12
